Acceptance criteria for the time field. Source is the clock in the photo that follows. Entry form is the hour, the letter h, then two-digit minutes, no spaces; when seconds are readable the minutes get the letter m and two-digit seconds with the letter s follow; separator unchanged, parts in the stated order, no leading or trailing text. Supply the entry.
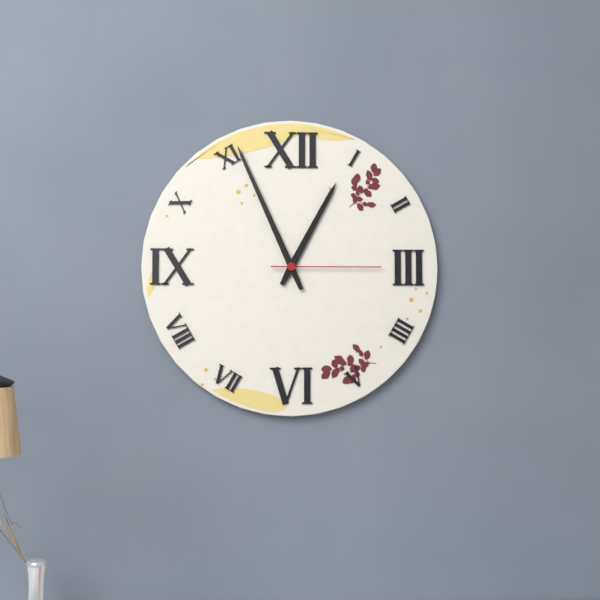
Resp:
12h56m15s
